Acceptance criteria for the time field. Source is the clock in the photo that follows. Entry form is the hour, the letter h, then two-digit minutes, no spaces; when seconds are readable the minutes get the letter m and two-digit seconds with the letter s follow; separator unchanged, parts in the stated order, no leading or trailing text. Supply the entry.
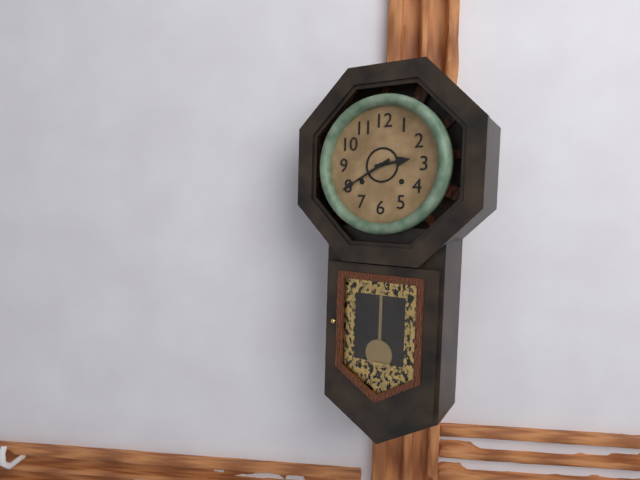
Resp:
2h40
